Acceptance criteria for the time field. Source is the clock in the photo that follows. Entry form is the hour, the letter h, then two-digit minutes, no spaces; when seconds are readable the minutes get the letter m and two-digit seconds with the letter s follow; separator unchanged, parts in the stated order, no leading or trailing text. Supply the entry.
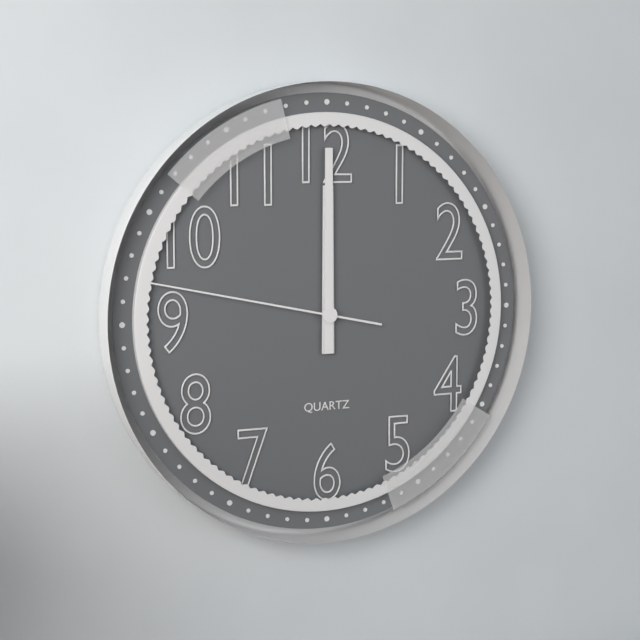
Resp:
12h00m47s
